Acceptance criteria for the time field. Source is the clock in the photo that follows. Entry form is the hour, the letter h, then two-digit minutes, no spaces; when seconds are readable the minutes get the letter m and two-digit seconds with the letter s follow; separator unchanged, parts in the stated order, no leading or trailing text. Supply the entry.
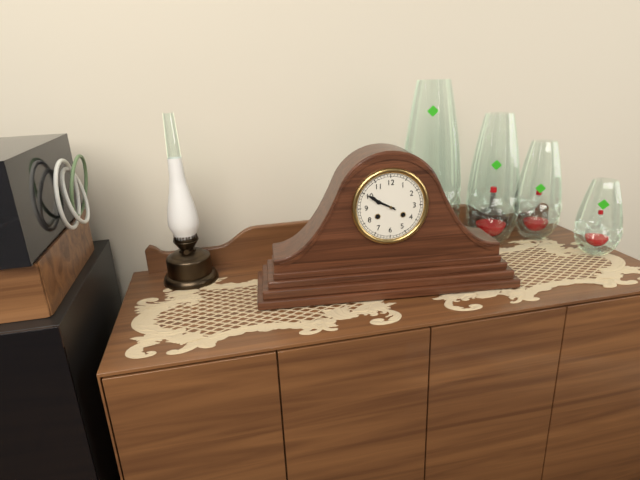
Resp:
9h50
